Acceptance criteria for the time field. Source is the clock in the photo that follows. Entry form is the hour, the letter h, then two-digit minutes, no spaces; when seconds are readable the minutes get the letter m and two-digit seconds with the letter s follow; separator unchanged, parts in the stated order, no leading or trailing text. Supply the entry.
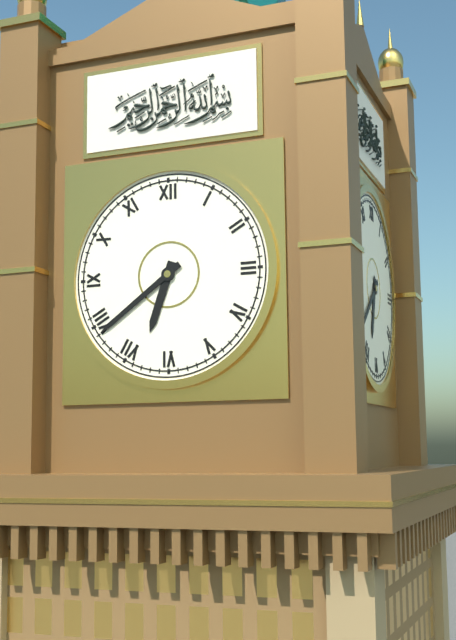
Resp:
6h39
